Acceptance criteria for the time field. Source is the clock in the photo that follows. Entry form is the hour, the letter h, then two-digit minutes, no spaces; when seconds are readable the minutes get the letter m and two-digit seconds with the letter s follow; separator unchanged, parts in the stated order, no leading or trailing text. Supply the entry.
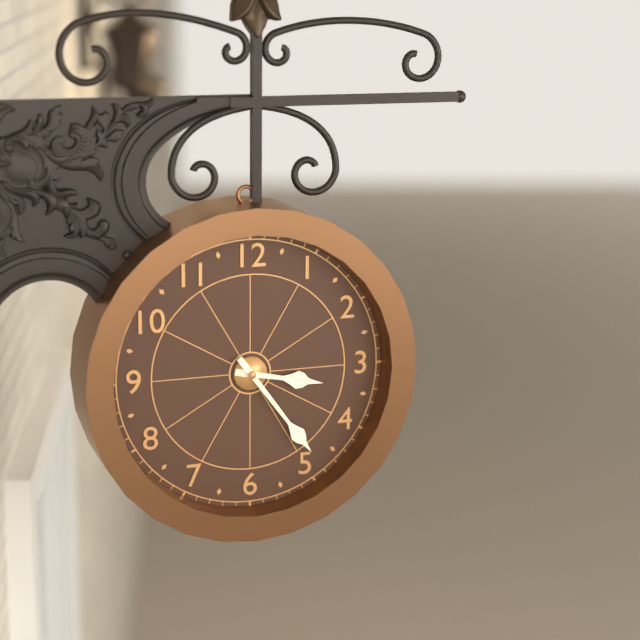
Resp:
3h24
